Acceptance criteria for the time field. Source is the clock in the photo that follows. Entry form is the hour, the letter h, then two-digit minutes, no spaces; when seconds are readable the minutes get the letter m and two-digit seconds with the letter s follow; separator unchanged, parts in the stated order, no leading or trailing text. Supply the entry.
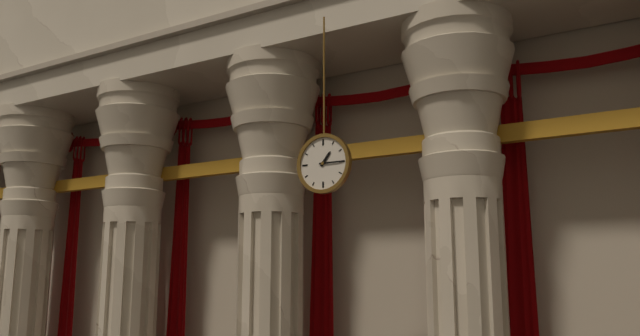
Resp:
1h15
